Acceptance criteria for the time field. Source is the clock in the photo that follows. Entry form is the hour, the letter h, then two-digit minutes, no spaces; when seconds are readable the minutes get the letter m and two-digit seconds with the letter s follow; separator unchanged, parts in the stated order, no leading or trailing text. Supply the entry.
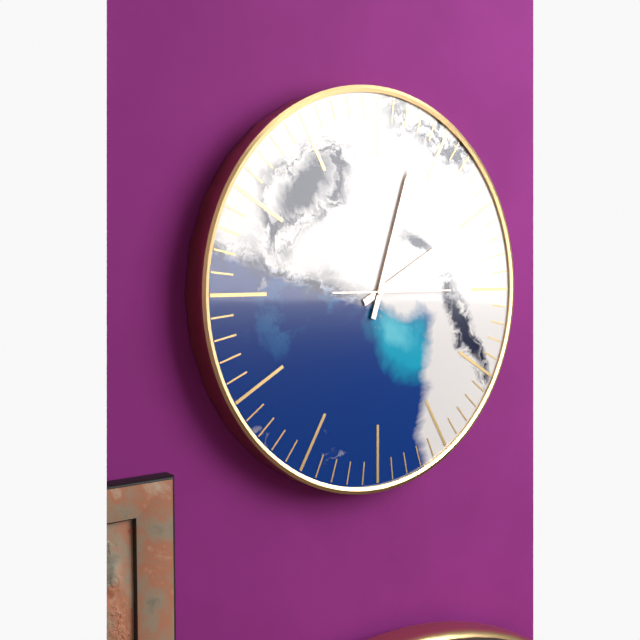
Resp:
2h03m15s
